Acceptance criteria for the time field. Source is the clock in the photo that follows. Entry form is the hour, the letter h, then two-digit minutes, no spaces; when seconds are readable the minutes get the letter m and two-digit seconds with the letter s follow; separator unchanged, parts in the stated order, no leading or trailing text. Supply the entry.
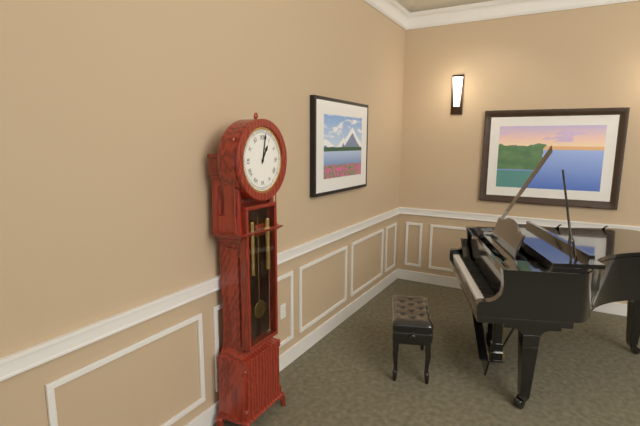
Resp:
1h02
